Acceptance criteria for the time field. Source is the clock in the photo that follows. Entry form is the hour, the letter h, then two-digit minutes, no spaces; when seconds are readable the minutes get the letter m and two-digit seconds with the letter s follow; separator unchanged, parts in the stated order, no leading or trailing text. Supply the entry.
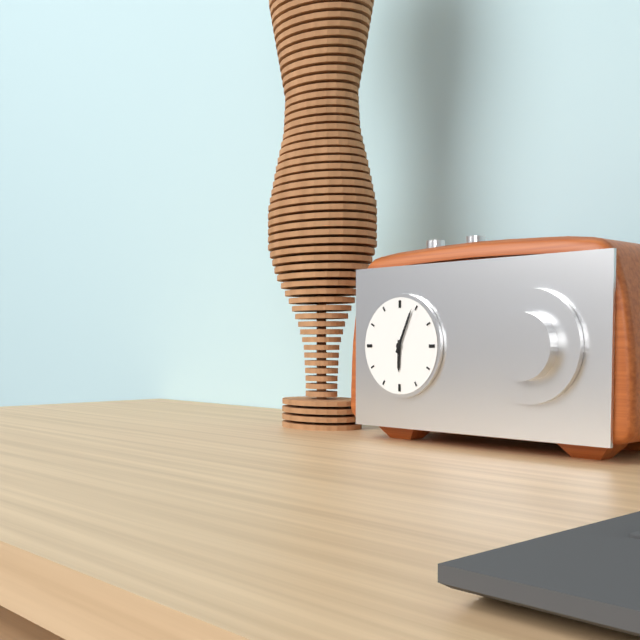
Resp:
6h04
